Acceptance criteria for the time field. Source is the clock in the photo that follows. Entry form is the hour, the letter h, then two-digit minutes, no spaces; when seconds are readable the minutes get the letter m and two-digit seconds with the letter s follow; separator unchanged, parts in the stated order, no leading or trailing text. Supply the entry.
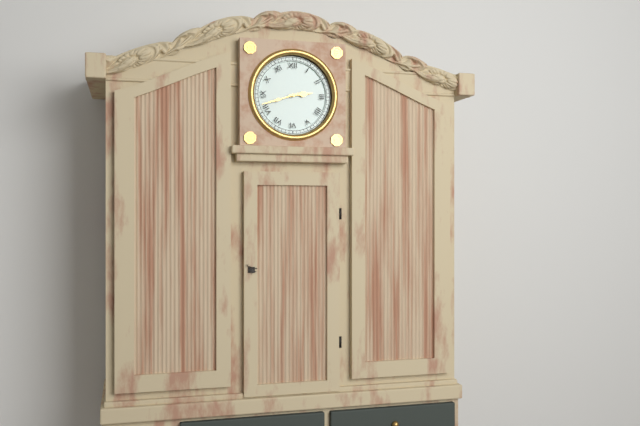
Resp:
2h42
